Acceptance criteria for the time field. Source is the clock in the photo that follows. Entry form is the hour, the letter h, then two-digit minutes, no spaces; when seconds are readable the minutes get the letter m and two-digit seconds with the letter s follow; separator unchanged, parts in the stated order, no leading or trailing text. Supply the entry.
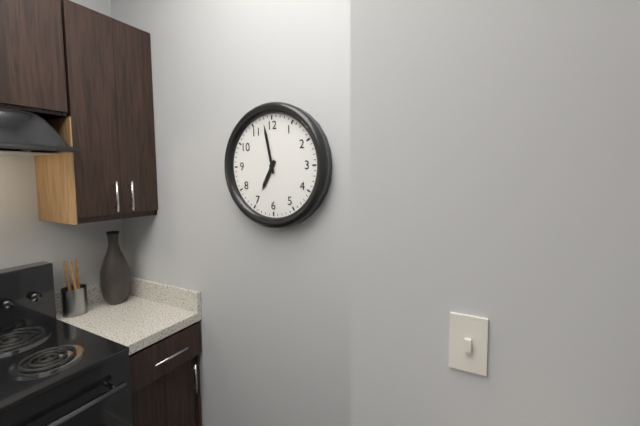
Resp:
6h58
